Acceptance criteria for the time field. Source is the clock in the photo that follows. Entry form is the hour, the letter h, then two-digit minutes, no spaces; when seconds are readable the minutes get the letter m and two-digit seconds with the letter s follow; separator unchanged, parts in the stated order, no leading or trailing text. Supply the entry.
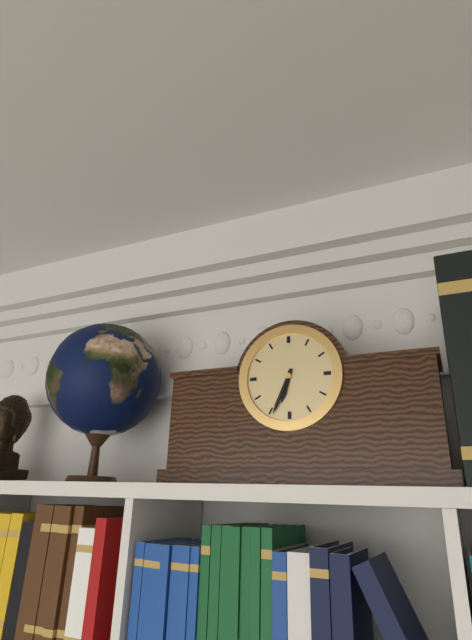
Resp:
6h34
